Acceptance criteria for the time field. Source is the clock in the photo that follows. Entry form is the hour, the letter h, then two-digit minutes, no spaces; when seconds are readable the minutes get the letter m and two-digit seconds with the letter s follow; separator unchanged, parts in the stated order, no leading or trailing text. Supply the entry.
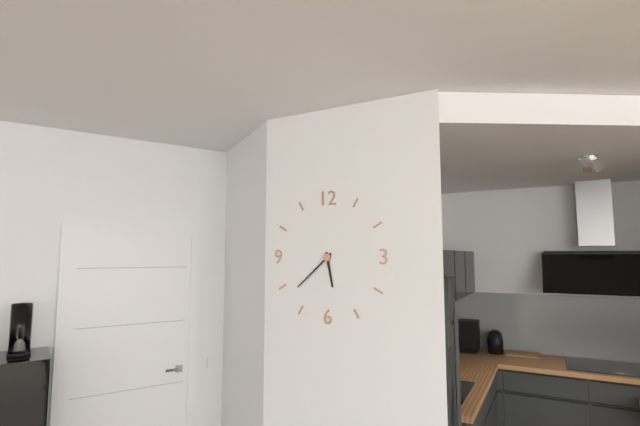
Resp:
5h38
